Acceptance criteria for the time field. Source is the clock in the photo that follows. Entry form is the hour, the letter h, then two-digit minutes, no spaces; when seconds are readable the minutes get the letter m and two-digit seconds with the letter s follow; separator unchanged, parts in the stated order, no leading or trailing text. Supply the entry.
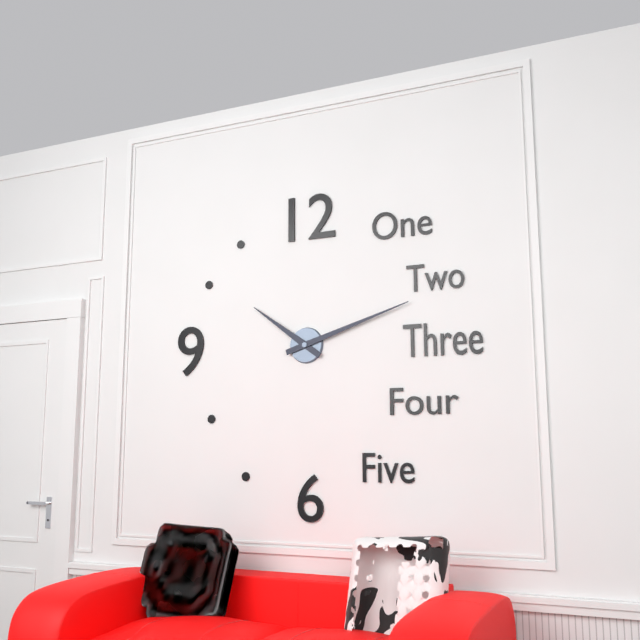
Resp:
10h12
